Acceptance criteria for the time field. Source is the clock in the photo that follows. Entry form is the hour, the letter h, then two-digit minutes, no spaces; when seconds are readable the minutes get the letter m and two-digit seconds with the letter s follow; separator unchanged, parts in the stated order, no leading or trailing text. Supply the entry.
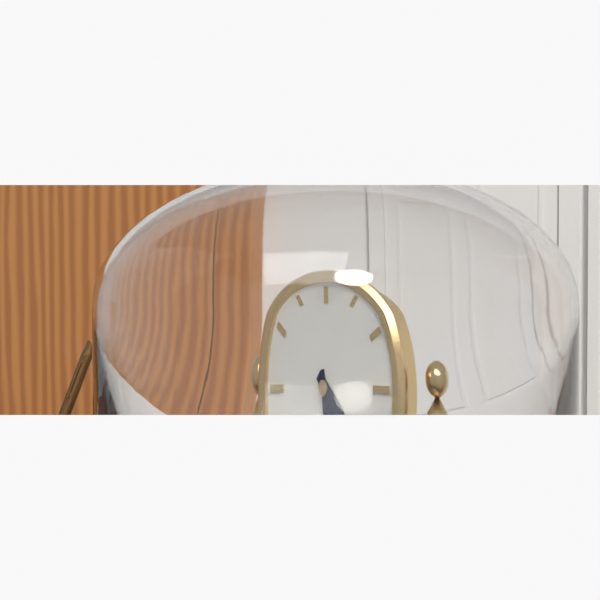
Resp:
4h28
